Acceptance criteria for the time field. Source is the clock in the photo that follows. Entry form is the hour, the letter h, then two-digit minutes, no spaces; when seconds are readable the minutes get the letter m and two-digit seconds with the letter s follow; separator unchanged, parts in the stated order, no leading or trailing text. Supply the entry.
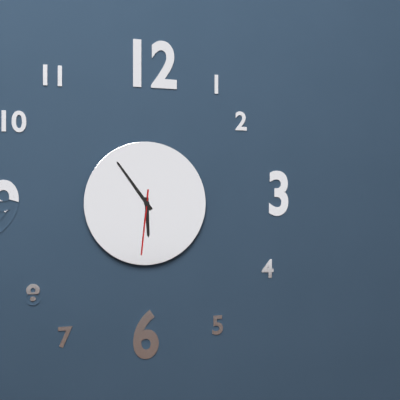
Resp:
5h54m31s
